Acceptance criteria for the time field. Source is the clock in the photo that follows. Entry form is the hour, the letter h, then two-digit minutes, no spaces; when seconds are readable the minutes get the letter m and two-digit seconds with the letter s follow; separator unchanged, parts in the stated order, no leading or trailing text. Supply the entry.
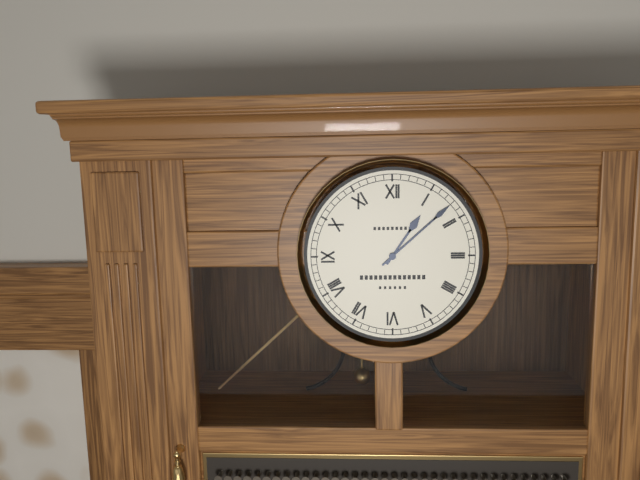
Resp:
1h08
